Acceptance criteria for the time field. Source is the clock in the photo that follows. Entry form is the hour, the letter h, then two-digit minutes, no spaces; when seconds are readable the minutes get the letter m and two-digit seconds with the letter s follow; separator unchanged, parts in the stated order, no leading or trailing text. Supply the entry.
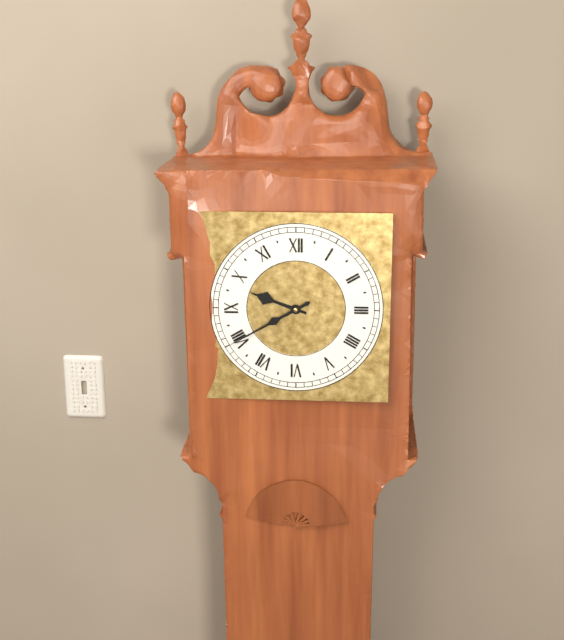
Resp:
9h40
